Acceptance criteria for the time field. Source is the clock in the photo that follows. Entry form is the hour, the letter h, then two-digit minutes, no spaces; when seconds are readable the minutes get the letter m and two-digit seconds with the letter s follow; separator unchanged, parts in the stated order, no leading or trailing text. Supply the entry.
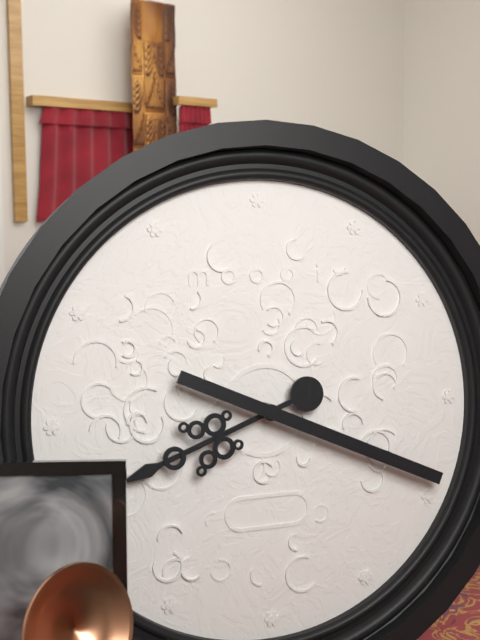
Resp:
8h19
